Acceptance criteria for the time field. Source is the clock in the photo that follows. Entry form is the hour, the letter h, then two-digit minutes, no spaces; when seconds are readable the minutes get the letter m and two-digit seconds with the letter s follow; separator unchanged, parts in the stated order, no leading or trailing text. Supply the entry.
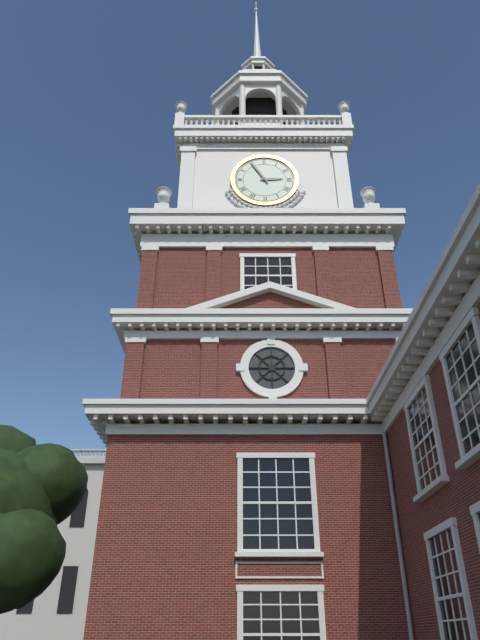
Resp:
2h55
